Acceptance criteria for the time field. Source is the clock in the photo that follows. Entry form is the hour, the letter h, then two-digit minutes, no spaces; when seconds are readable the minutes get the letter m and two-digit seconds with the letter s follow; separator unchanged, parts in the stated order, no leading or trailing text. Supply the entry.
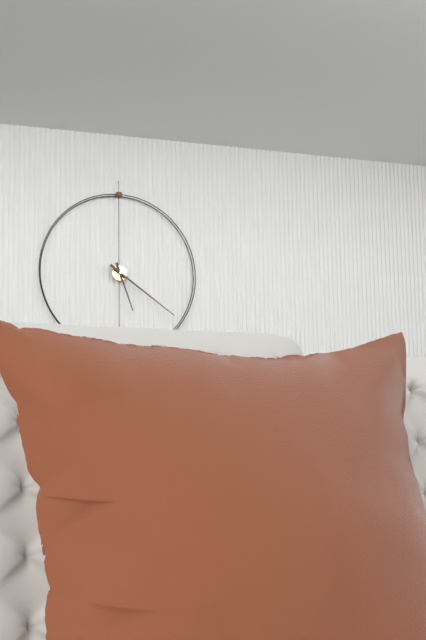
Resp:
5h21
